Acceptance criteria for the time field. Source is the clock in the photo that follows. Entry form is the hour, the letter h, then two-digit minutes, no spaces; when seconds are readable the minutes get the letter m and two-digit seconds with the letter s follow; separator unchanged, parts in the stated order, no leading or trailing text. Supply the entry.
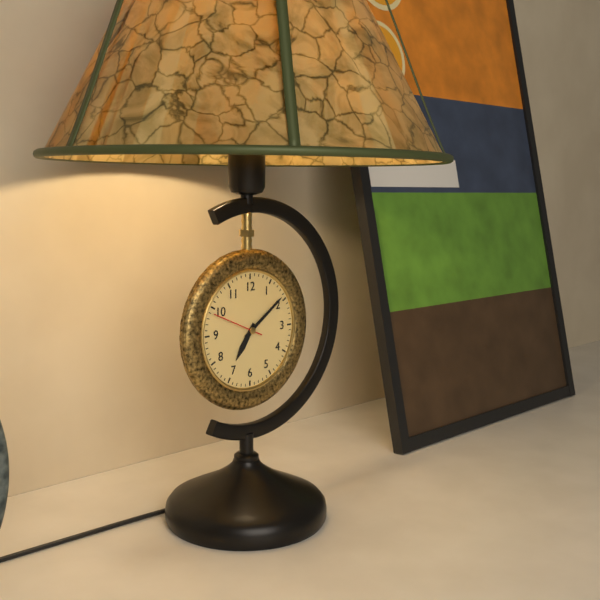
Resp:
7h09m49s
